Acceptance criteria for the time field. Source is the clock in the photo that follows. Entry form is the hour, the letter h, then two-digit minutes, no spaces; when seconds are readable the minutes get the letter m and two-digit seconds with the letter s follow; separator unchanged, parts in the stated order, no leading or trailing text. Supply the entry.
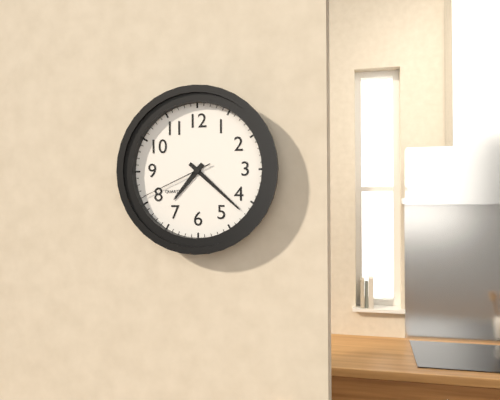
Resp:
7h22m41s
